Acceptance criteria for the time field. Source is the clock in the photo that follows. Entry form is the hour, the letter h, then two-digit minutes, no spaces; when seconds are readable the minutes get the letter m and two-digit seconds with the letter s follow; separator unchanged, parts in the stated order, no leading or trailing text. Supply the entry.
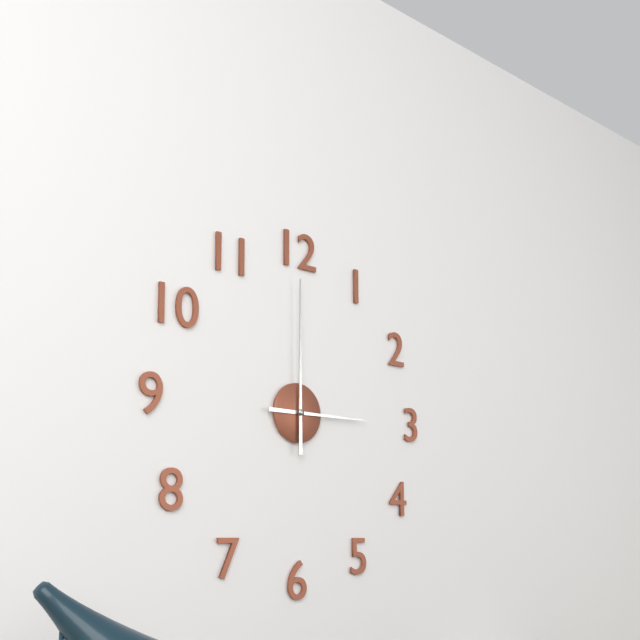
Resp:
3h00
